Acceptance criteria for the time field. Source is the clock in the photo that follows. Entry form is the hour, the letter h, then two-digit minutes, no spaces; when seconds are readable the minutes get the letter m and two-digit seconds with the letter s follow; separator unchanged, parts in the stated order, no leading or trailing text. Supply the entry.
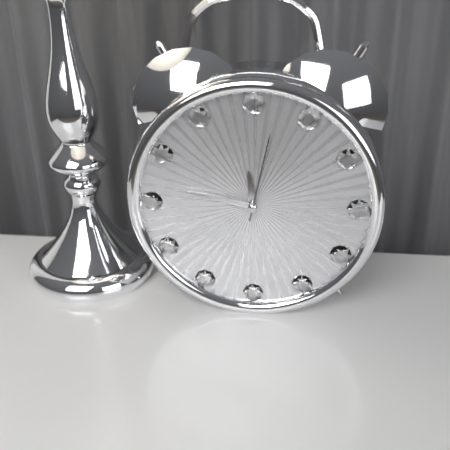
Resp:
11h47m02s
